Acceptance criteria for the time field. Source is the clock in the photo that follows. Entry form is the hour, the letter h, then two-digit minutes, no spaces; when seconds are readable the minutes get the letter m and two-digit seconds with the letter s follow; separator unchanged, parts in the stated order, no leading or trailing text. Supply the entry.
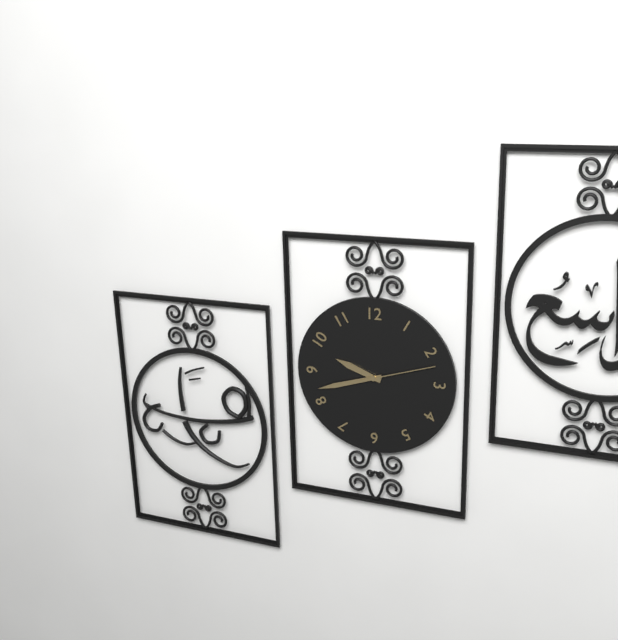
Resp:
9h42m12s
